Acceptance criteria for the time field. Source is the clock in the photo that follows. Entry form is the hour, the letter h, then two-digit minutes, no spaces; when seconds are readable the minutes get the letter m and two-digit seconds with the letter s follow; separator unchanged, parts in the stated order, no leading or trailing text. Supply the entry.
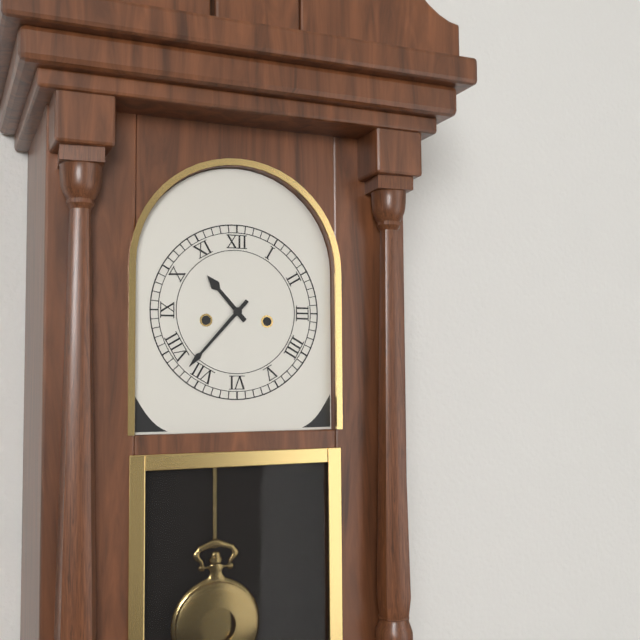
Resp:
10h37
